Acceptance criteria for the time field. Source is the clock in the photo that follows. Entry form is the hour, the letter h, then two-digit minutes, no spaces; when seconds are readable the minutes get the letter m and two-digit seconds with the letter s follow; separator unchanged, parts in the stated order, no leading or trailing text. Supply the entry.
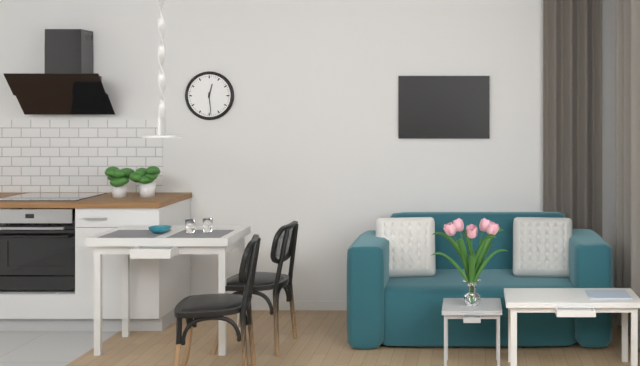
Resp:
12h29
